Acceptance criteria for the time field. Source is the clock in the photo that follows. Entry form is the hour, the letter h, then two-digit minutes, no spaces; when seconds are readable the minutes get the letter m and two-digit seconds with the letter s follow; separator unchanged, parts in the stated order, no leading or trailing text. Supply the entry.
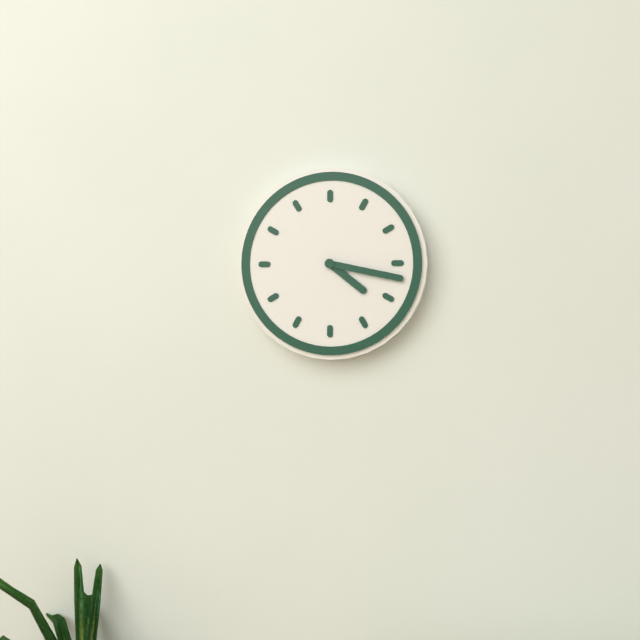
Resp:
4h17
